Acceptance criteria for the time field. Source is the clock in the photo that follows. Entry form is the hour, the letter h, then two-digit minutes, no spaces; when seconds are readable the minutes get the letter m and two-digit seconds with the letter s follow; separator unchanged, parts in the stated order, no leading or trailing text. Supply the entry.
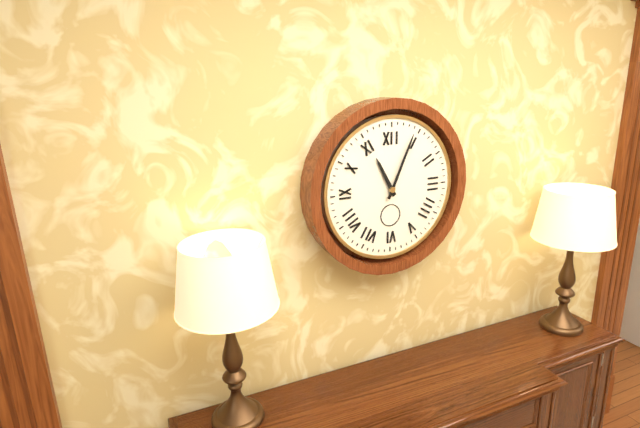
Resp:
11h04
